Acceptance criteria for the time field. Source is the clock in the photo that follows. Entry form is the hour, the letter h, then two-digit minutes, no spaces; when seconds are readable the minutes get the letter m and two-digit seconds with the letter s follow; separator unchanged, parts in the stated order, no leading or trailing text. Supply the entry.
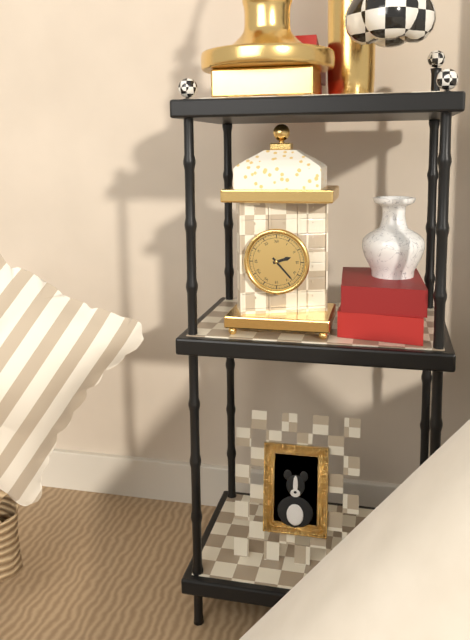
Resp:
2h23
